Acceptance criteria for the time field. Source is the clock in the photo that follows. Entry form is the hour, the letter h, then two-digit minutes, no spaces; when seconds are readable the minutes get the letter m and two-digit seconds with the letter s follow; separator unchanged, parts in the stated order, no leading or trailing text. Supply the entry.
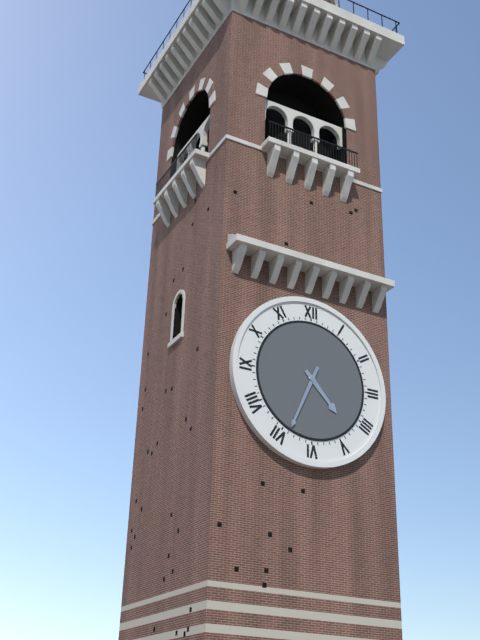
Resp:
4h34
